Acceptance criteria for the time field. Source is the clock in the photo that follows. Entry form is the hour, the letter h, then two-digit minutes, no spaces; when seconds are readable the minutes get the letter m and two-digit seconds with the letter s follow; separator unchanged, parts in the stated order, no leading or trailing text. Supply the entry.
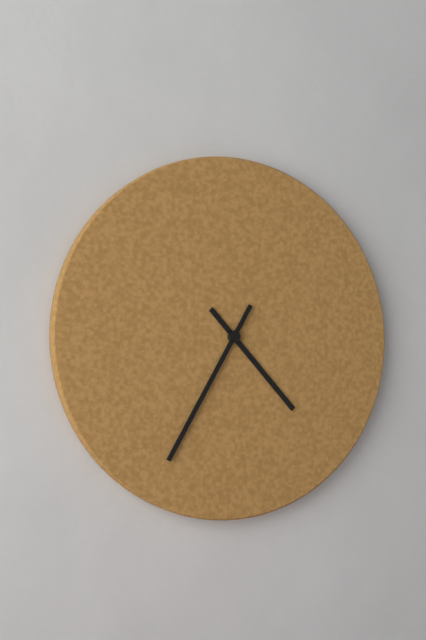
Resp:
4h35
